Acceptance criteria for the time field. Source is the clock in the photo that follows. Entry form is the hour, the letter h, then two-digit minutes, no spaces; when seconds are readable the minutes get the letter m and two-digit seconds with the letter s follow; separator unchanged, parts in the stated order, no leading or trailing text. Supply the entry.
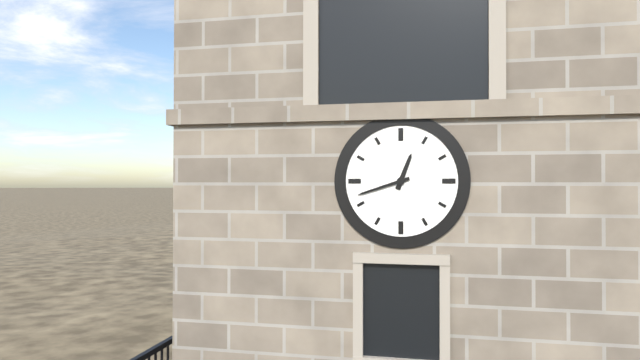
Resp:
12h42
